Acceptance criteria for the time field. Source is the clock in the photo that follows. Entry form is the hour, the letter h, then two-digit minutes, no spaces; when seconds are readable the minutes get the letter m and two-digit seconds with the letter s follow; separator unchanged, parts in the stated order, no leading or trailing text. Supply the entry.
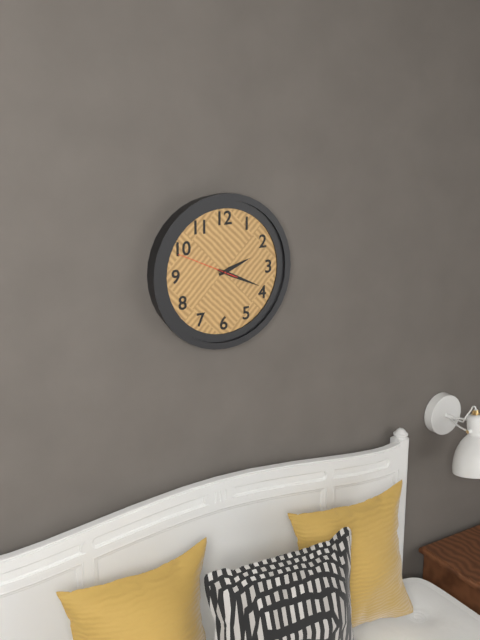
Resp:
2h19m49s
